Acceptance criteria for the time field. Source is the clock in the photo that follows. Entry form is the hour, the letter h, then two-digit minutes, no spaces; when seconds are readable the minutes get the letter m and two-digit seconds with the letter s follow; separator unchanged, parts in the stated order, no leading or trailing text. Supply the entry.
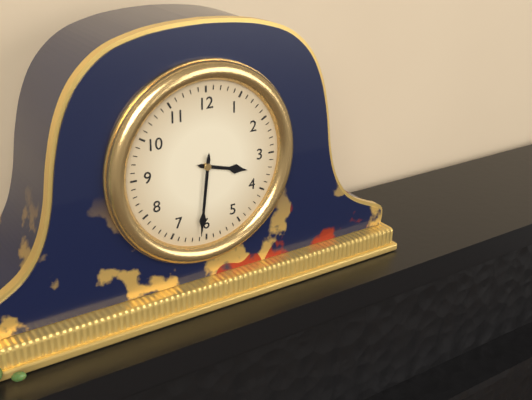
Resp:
3h31
